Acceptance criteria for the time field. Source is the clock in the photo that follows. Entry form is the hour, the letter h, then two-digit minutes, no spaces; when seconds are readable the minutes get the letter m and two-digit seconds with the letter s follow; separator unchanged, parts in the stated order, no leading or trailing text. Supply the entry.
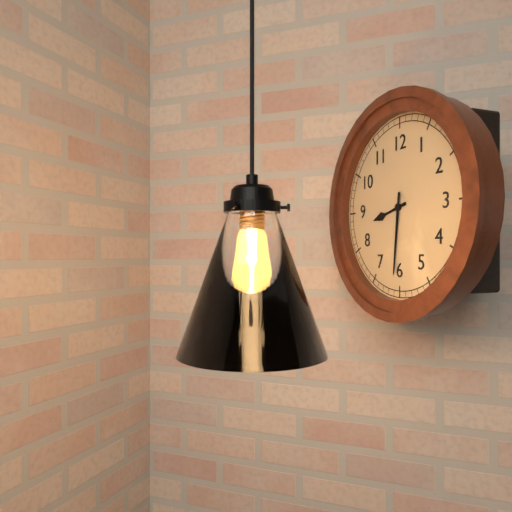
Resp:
8h31
